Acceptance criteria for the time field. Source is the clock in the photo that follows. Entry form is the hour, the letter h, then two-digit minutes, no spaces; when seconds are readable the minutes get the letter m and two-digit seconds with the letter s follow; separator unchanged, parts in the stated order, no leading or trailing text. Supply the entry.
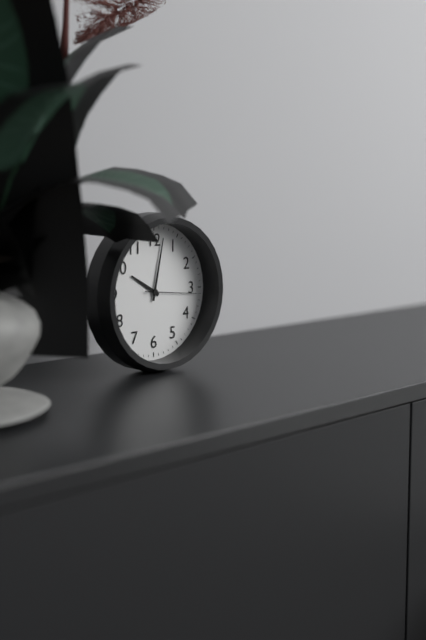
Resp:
10h02m16s
